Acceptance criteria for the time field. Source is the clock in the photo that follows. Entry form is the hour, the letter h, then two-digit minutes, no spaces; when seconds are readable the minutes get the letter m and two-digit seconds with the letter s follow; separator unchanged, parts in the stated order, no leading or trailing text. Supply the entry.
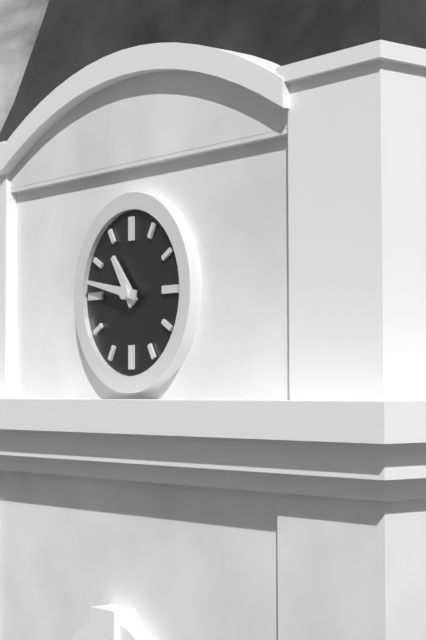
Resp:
10h47
